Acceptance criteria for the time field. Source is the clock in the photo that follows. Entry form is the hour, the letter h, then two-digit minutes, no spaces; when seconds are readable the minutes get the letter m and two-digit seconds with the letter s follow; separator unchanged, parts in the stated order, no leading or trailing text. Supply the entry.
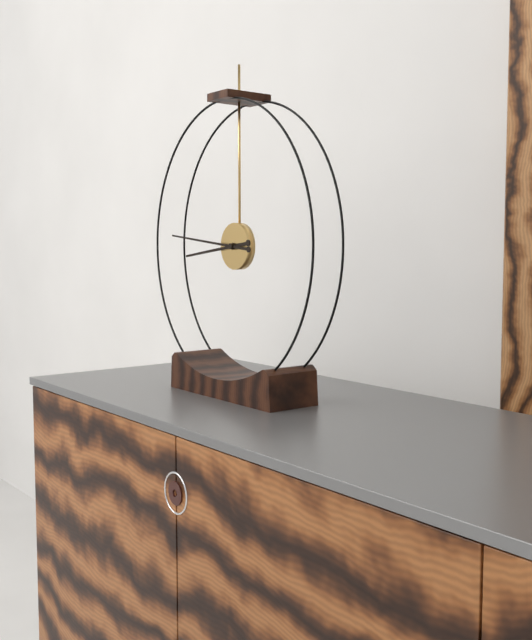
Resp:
8h46
